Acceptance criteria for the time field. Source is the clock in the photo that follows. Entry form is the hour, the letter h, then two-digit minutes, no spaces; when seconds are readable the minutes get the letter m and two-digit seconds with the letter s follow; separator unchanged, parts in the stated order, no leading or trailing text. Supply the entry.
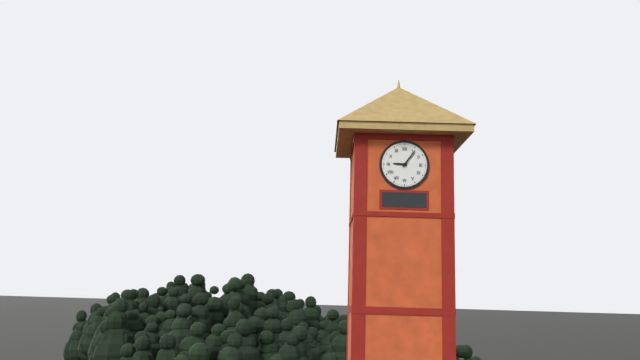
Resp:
9h06
